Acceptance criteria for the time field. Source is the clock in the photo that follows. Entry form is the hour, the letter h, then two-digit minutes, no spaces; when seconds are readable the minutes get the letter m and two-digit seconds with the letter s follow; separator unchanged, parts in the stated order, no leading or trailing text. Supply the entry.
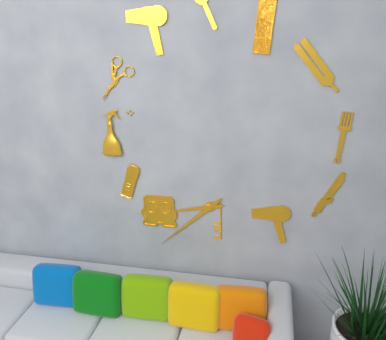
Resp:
8h38
